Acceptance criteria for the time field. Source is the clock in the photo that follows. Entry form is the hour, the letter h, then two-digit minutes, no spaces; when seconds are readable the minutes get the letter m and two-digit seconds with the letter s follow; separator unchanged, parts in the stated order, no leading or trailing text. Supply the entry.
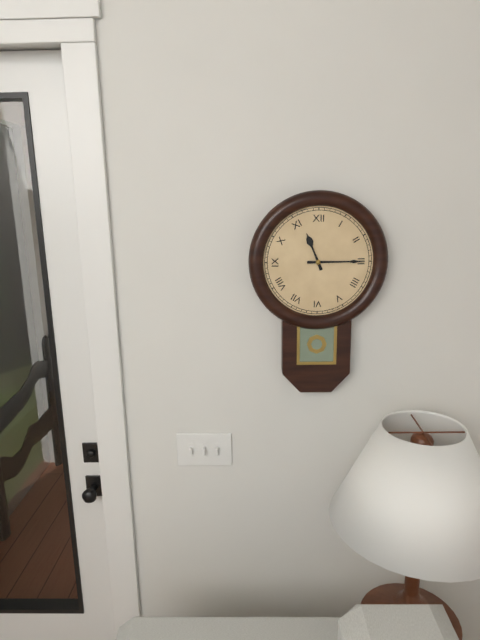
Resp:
11h15
